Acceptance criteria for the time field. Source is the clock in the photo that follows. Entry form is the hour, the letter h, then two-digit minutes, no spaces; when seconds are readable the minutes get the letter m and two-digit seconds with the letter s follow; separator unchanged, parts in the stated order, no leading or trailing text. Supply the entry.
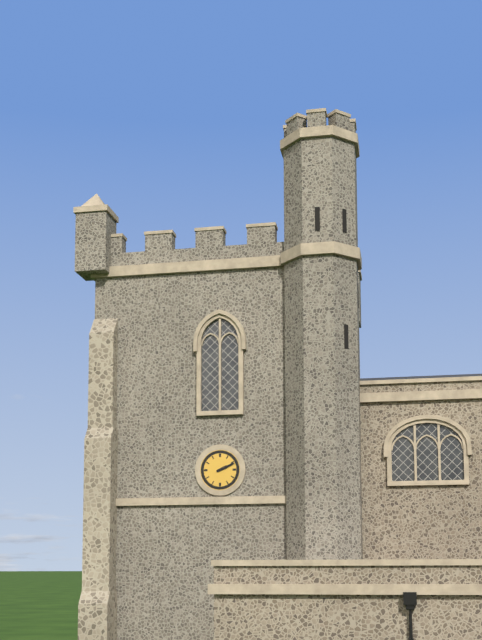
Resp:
2h11
